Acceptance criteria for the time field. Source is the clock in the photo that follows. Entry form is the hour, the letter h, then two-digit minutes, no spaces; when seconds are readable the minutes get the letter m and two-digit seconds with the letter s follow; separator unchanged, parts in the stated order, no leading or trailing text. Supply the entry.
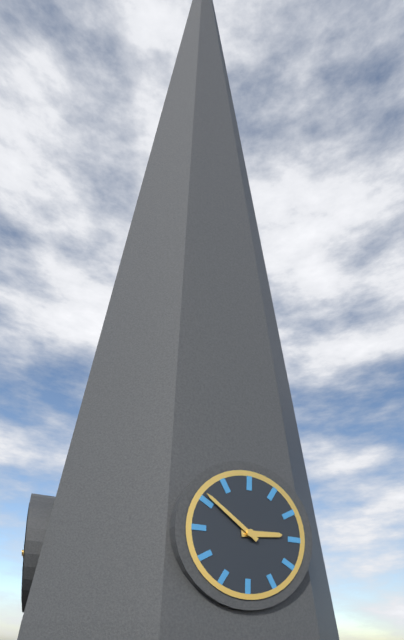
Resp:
2h51
